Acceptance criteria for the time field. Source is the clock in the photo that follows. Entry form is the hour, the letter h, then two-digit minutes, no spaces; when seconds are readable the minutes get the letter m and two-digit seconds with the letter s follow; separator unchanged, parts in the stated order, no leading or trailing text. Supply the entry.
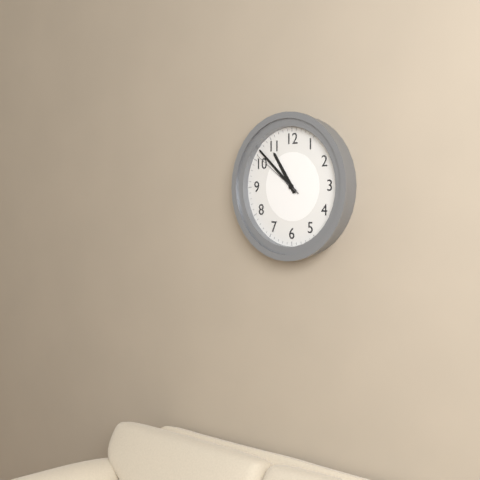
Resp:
10h52m51s
